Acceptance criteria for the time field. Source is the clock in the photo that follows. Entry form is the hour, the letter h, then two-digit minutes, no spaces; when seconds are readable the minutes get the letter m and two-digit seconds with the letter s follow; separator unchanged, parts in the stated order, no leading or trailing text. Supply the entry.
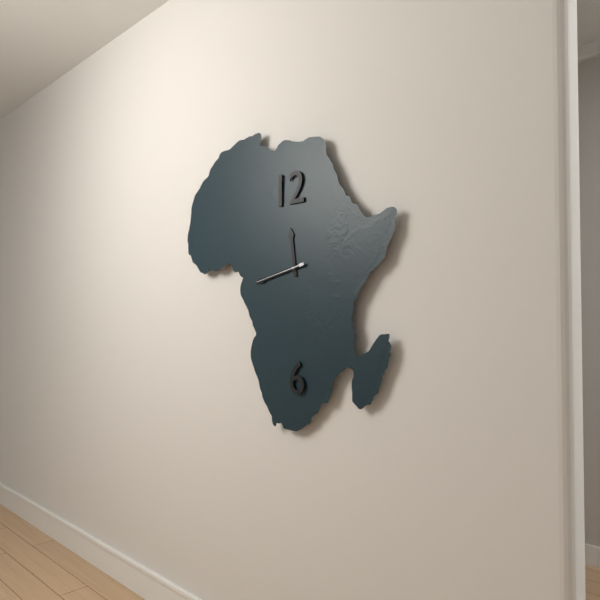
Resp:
11h43m43s
